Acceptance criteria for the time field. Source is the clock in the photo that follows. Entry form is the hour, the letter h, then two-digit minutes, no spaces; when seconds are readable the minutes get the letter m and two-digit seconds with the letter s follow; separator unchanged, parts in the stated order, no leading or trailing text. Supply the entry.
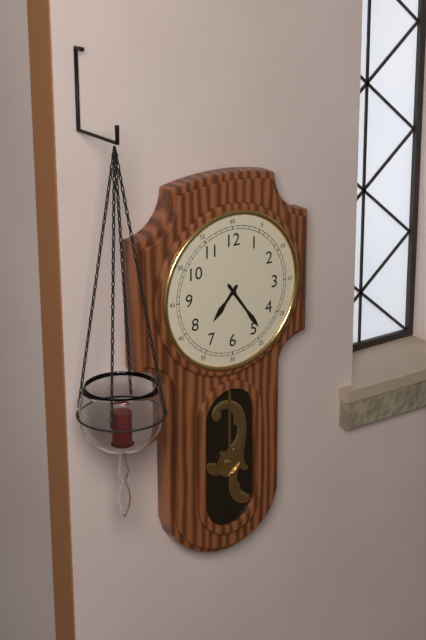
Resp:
7h24
